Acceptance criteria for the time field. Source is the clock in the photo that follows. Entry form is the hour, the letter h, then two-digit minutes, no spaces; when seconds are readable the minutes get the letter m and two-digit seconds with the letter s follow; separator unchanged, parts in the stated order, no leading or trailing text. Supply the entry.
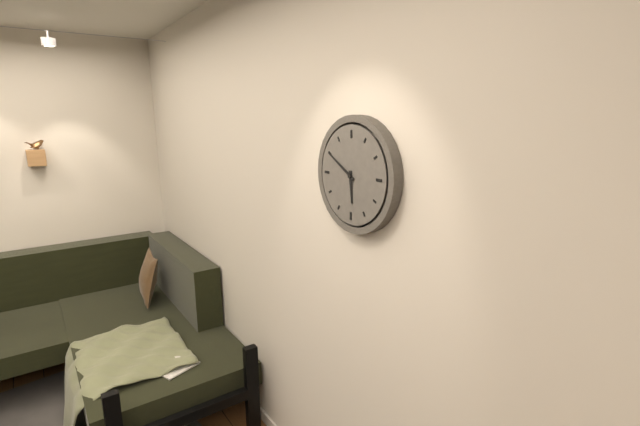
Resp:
5h50
